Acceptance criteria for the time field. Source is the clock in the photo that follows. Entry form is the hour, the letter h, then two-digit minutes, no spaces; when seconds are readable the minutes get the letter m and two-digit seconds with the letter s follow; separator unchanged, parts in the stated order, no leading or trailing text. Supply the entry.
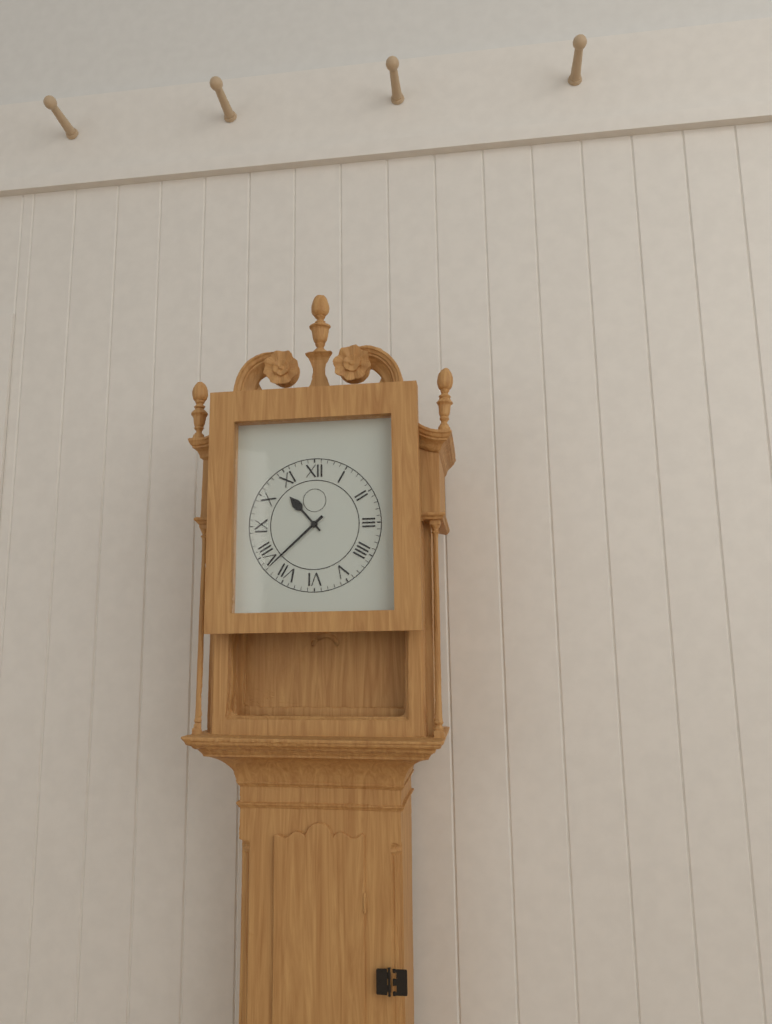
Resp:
10h38
